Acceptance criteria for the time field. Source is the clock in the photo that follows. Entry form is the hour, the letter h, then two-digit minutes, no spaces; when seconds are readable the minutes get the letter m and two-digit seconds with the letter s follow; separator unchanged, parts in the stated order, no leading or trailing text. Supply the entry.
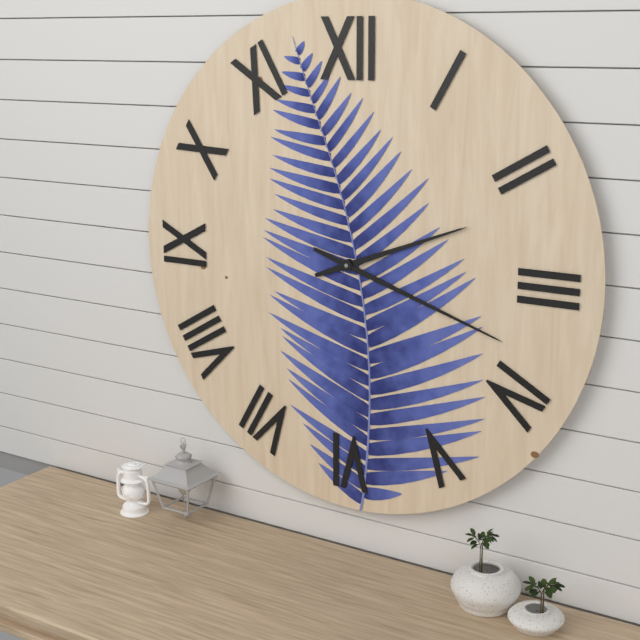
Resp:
2h18
